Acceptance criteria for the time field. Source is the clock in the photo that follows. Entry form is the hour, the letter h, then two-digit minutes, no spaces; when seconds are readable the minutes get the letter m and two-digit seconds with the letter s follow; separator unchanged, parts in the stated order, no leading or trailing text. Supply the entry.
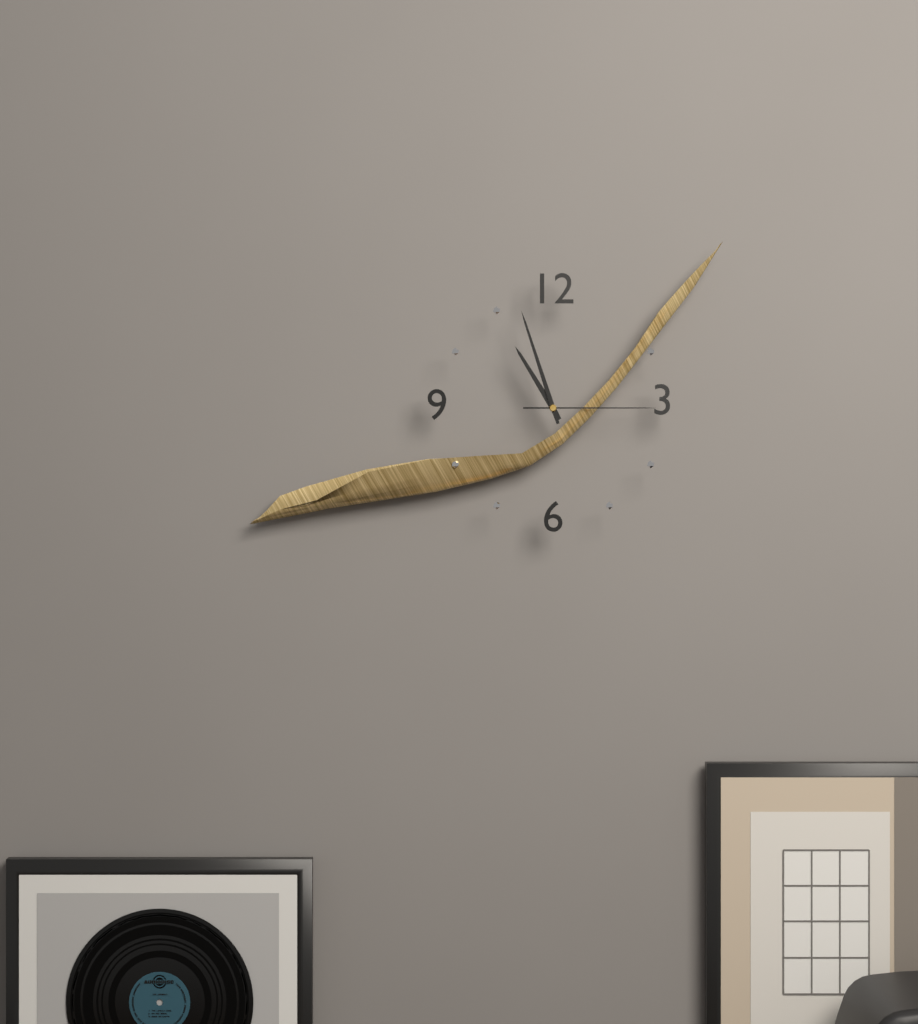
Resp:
10h57m15s
